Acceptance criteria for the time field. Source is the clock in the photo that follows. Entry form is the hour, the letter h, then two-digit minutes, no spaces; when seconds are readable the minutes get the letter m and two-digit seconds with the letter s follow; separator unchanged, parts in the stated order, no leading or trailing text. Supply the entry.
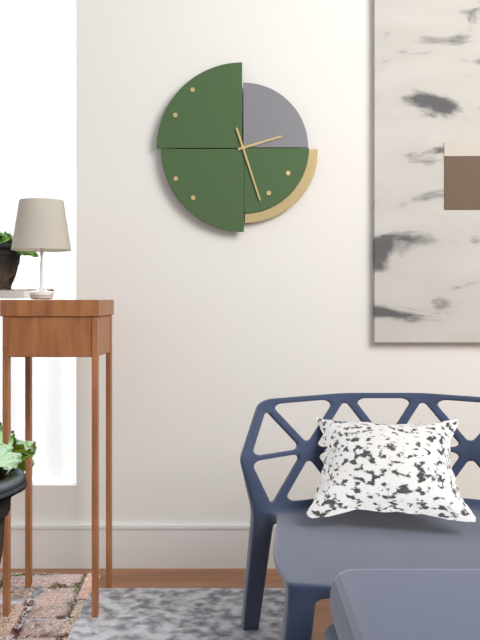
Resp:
2h27
